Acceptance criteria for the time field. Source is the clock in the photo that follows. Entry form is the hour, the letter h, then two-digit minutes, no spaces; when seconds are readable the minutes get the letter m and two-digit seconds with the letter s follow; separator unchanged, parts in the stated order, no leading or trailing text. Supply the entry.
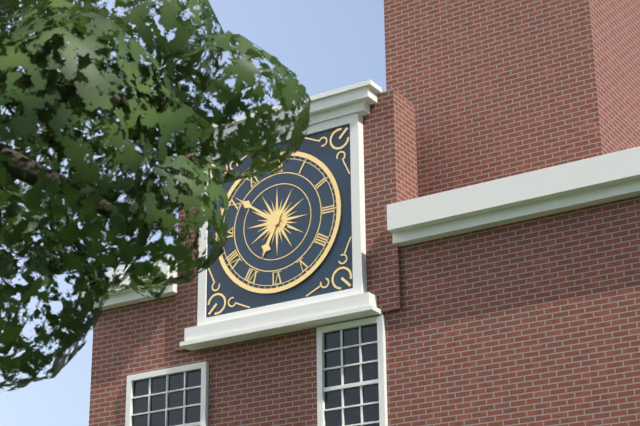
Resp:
6h51
